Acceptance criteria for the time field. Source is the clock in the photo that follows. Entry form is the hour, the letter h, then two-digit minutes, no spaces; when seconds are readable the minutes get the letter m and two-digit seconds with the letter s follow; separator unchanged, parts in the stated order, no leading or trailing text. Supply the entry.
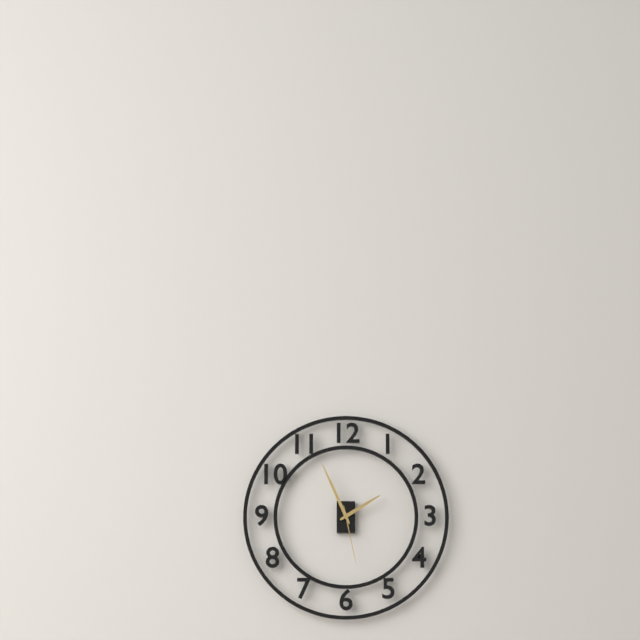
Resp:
1h56m28s
